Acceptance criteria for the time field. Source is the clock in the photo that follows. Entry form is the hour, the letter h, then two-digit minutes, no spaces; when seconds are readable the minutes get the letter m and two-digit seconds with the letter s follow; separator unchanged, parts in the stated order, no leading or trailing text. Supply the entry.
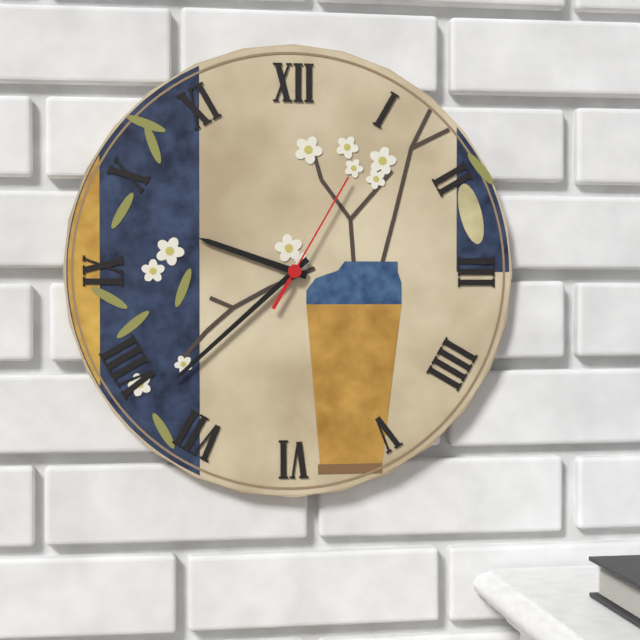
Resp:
9h38m05s
